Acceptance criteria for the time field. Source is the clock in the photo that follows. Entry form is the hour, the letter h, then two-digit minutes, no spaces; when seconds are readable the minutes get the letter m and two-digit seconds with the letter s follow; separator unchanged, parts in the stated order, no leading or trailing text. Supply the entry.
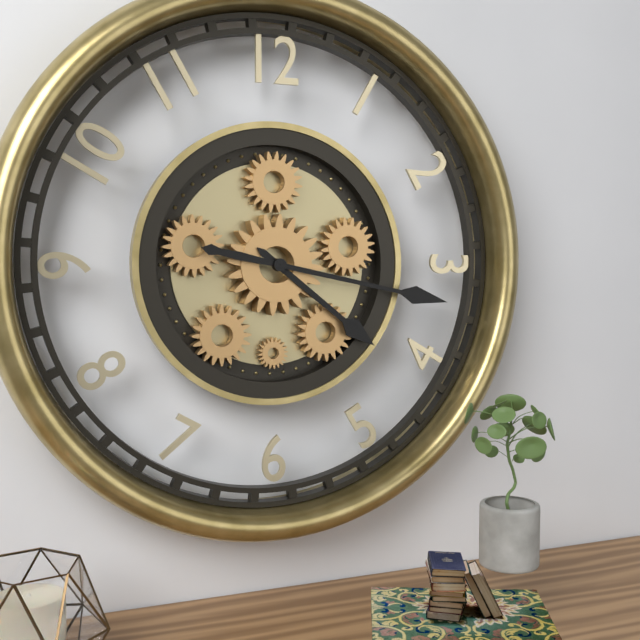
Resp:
4h17
